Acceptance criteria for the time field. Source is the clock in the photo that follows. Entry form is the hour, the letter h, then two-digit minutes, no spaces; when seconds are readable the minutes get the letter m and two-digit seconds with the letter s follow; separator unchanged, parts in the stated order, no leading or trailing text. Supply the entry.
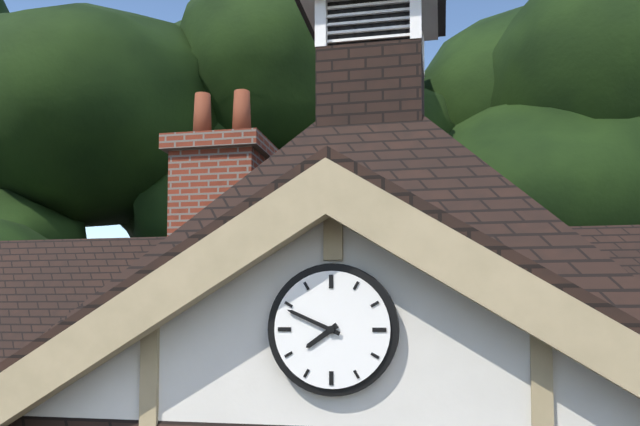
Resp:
7h49
